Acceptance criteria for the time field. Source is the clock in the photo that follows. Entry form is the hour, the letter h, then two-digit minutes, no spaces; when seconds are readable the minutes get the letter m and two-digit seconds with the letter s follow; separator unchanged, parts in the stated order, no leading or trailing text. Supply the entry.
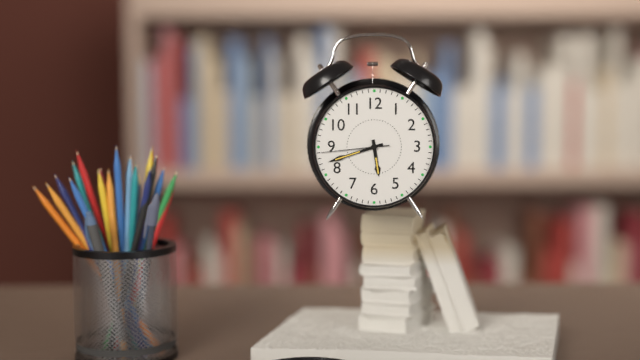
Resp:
5h42m44s
